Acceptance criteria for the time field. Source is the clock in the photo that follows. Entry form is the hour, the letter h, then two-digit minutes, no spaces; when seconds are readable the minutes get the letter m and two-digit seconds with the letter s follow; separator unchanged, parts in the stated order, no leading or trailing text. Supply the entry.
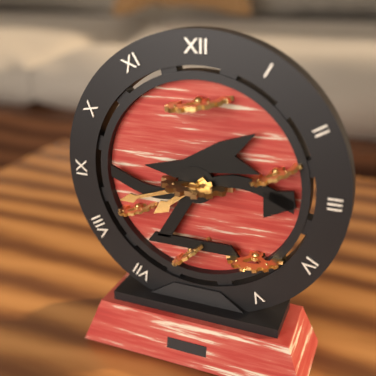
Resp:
7h42
